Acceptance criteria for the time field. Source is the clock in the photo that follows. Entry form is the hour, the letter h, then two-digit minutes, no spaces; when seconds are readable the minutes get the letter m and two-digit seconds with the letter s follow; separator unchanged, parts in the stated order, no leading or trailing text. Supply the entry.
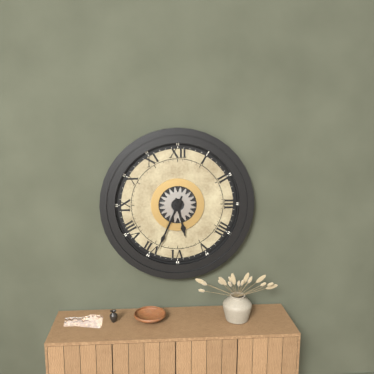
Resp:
5h34
